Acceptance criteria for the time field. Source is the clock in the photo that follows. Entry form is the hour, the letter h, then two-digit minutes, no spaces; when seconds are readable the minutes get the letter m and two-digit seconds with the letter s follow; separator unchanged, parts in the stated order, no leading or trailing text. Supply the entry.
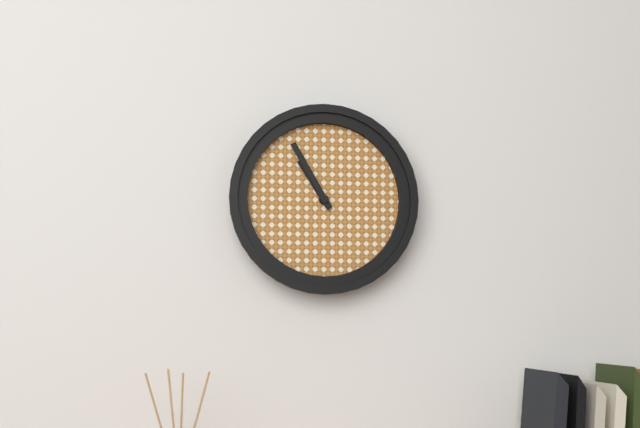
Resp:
10h55
